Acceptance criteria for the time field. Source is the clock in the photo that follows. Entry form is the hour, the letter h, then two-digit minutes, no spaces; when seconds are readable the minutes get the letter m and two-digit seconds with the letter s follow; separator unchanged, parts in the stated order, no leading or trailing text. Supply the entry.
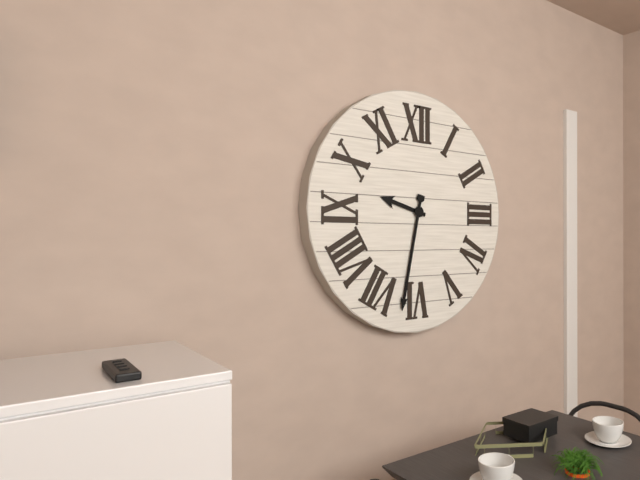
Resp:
9h32
